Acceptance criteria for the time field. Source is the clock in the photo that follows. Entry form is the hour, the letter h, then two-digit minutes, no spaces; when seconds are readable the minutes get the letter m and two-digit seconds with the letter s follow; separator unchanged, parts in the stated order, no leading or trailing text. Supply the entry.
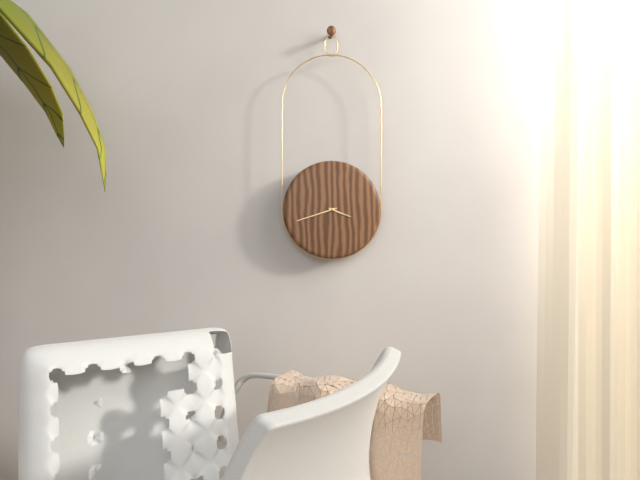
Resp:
3h42
